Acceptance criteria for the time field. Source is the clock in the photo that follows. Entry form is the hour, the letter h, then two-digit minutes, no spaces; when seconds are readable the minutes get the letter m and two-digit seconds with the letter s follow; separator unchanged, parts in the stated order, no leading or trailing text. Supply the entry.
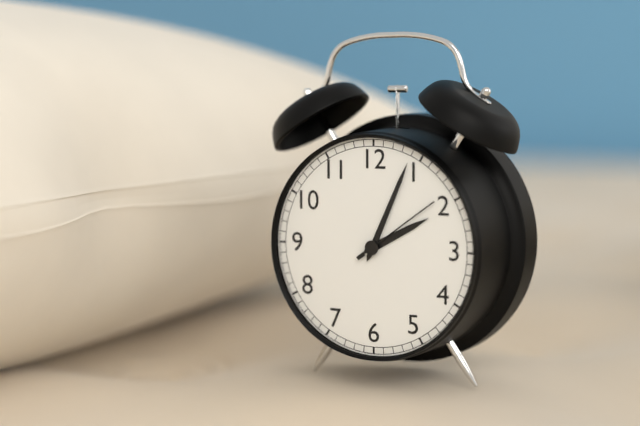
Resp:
2h04m09s
